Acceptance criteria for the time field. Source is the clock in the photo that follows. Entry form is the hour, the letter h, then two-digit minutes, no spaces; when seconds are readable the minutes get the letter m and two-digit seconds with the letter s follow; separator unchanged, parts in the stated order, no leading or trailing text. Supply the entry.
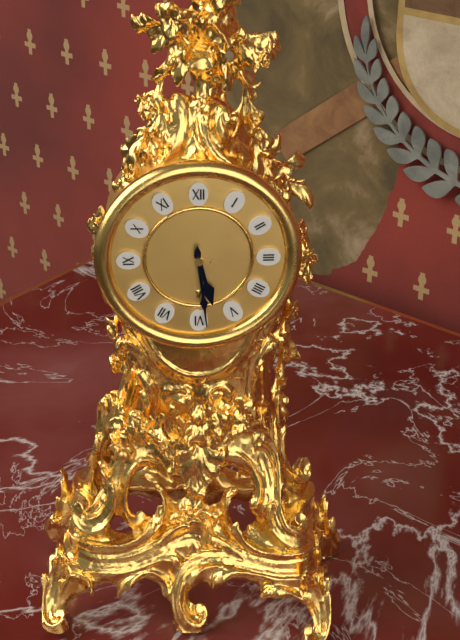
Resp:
5h29
